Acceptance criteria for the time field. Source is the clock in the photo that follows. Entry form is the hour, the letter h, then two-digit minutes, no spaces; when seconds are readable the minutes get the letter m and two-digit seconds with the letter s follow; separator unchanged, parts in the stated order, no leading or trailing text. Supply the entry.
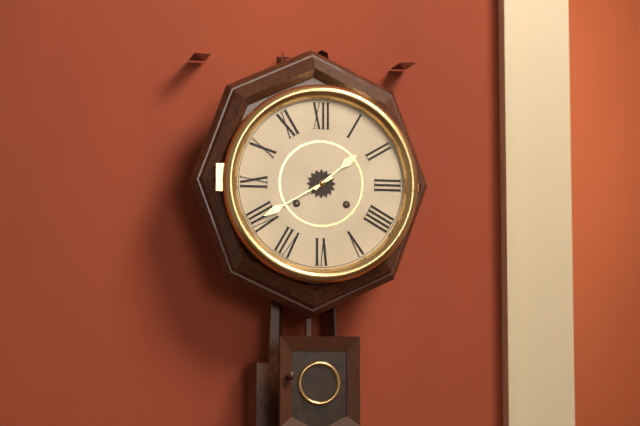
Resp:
1h40
